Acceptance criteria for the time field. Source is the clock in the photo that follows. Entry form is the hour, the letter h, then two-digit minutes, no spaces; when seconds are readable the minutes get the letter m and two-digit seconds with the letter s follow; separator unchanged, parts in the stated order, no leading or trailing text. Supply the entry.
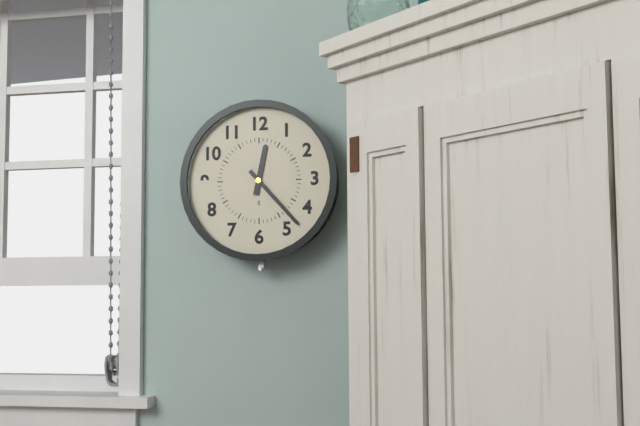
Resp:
12h23
